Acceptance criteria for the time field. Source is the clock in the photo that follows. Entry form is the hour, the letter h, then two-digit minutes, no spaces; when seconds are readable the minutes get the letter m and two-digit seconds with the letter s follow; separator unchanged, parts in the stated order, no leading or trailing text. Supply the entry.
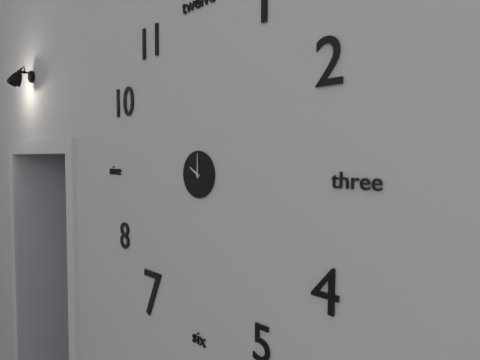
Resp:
10h00
